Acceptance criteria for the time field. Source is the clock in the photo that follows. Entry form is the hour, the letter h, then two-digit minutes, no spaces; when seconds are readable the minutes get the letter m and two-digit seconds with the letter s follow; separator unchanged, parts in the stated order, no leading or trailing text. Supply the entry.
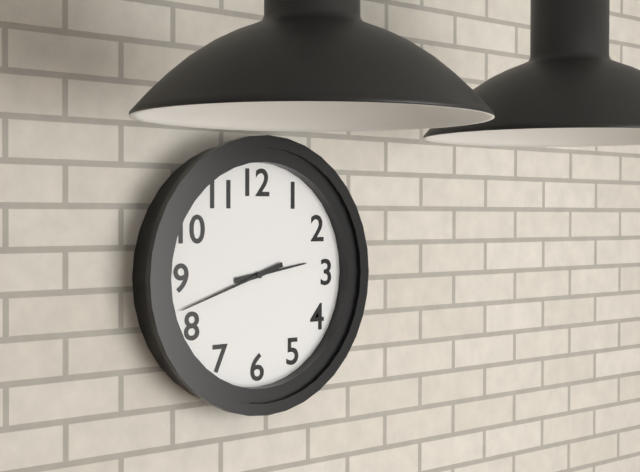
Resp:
2h42
